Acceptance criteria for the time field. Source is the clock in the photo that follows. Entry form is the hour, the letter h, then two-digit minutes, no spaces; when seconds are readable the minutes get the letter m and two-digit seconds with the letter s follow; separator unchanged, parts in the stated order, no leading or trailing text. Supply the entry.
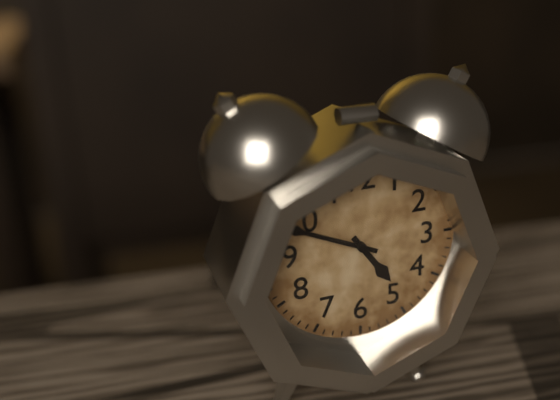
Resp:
4h49
